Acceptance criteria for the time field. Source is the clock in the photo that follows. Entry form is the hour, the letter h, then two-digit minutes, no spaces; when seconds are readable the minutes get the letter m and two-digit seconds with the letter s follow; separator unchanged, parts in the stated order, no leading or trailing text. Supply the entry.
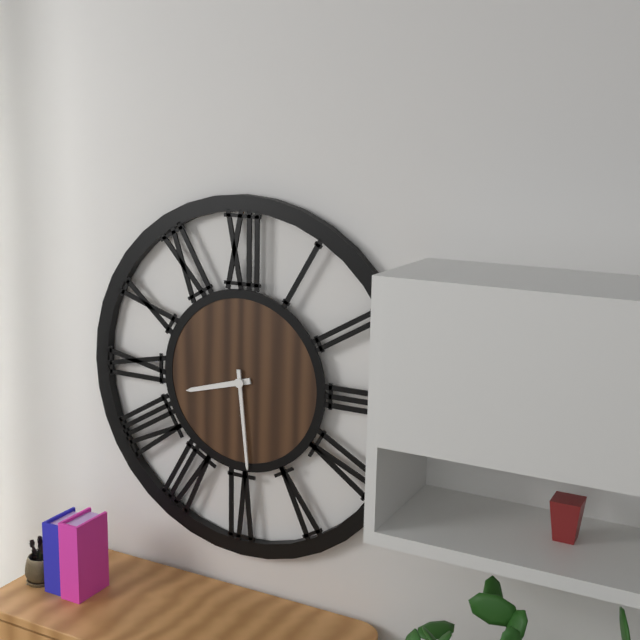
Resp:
8h29
